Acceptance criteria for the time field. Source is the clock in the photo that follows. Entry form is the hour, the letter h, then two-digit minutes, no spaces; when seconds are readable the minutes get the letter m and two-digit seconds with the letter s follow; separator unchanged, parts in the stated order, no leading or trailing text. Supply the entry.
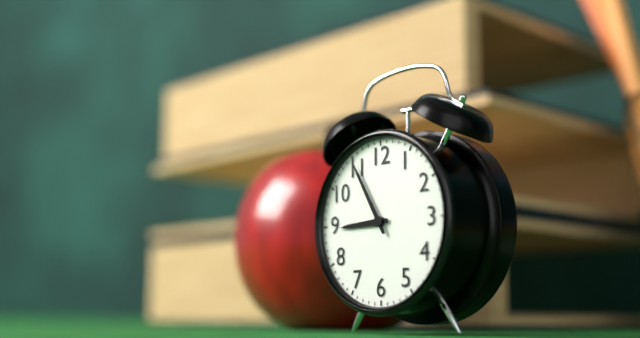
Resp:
8h55
